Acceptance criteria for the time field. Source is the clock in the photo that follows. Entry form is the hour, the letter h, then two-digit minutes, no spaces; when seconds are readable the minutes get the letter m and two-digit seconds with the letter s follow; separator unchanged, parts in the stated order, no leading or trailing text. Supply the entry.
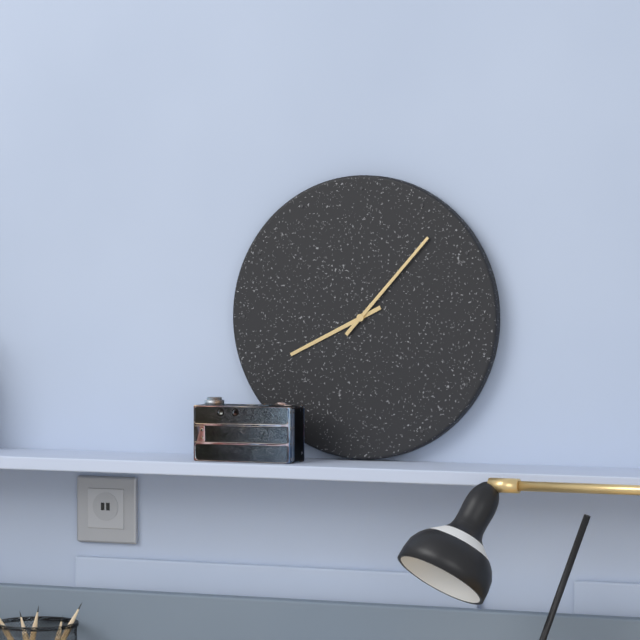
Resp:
8h07
